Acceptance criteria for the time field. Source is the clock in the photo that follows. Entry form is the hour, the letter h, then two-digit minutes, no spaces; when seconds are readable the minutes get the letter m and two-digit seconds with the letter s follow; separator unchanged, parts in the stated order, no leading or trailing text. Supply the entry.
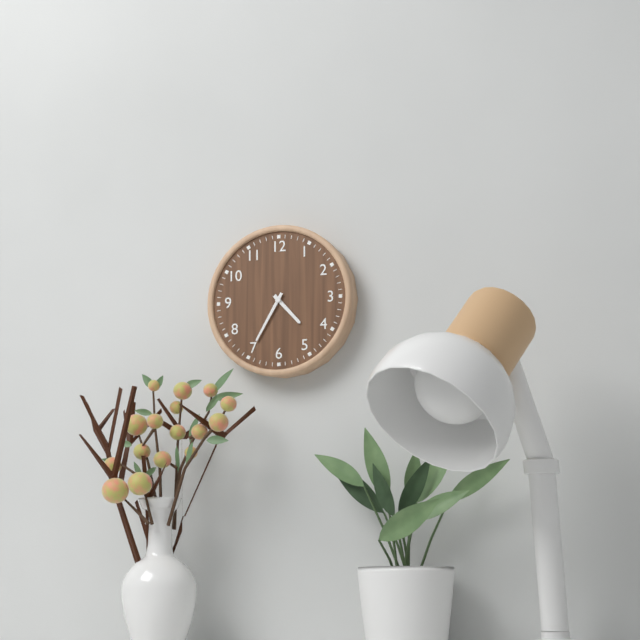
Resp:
4h35
